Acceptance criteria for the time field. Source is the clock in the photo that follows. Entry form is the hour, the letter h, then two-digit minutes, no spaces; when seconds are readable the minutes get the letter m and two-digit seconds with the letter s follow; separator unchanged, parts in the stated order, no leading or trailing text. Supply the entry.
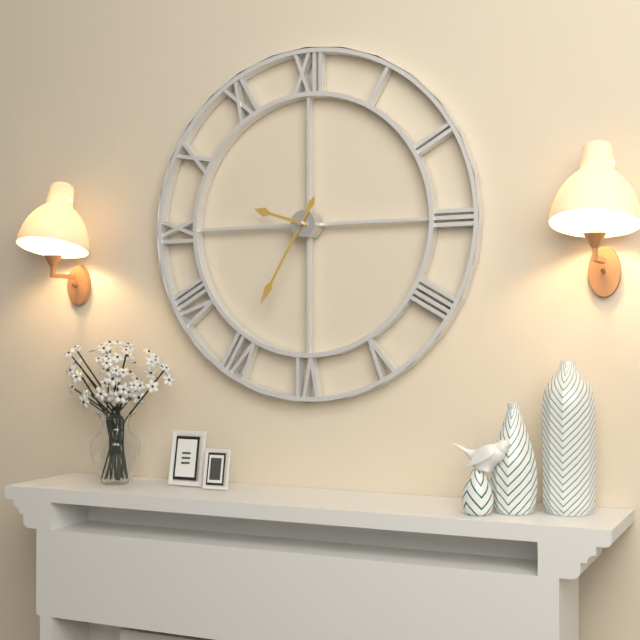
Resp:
9h35
